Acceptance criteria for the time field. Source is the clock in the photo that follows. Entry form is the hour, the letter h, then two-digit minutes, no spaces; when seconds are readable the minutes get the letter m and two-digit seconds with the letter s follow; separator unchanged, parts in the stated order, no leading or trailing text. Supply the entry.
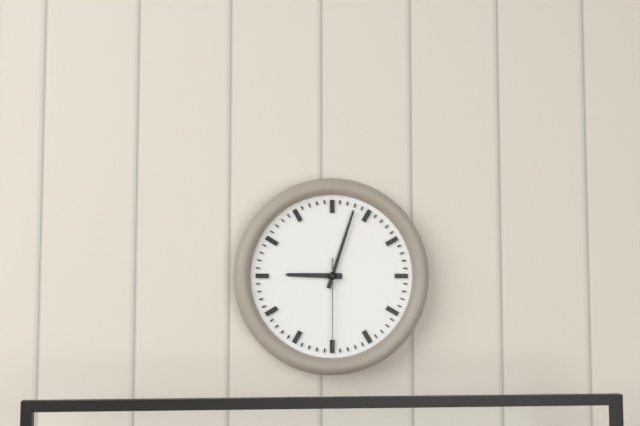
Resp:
9h03m30s
